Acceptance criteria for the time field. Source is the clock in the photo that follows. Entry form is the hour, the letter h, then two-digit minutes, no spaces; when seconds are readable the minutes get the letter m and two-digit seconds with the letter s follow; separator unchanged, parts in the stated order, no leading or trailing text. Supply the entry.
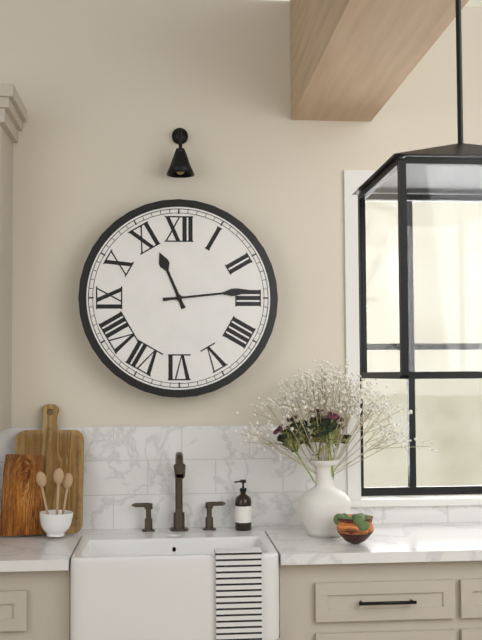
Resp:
11h14
